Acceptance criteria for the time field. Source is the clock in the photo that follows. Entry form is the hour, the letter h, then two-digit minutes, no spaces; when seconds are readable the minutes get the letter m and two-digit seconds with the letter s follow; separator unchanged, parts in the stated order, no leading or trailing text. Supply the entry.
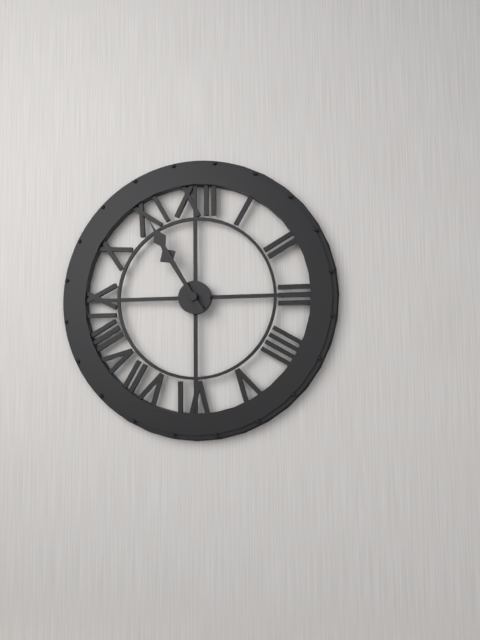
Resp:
10h55
